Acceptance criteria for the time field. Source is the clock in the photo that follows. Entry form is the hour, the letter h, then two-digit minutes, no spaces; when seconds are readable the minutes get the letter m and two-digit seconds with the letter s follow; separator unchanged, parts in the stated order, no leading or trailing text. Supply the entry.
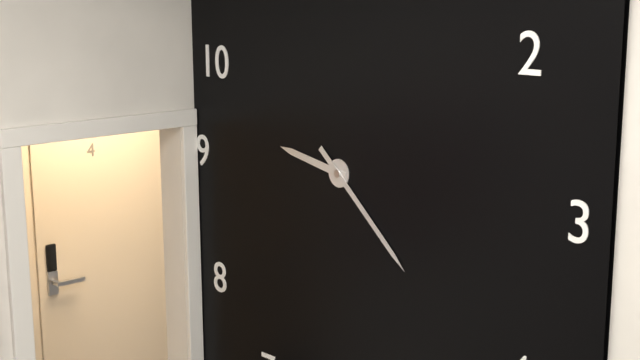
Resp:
9h22
